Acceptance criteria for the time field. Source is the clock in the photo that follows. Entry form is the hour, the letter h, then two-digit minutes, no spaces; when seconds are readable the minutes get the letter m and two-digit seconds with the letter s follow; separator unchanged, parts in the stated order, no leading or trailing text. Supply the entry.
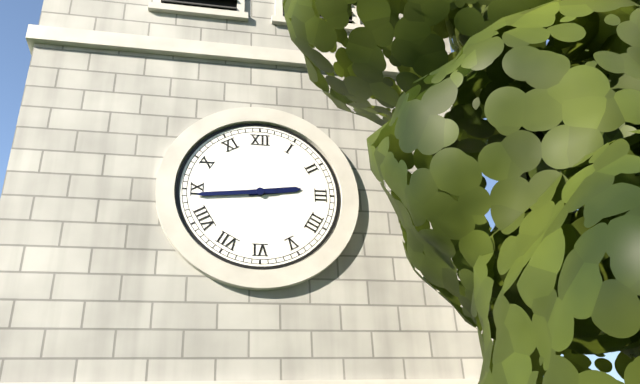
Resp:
2h44
